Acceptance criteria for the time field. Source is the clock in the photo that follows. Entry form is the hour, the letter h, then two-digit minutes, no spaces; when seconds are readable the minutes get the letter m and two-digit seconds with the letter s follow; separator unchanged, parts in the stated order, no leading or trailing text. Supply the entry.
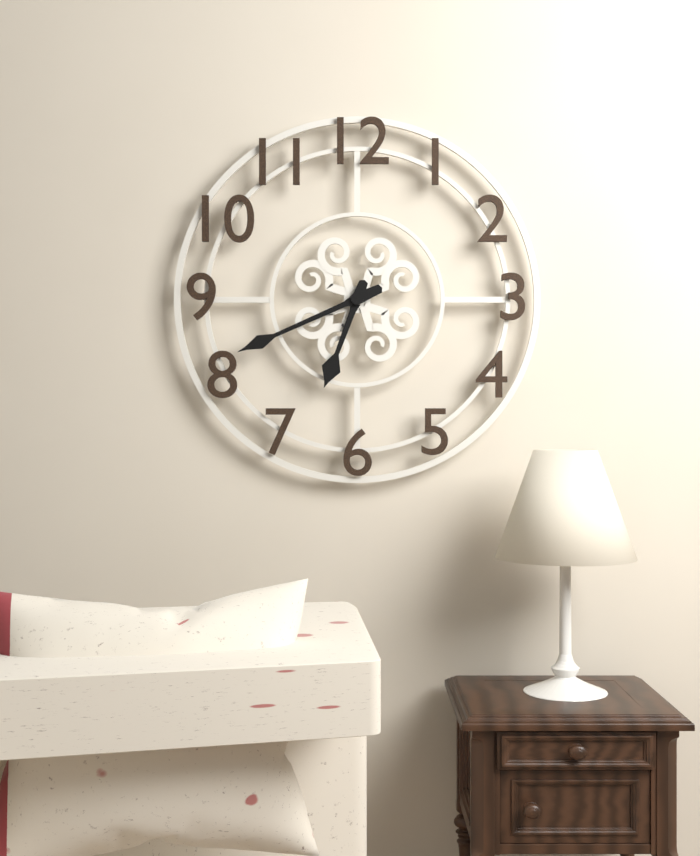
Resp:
6h41
